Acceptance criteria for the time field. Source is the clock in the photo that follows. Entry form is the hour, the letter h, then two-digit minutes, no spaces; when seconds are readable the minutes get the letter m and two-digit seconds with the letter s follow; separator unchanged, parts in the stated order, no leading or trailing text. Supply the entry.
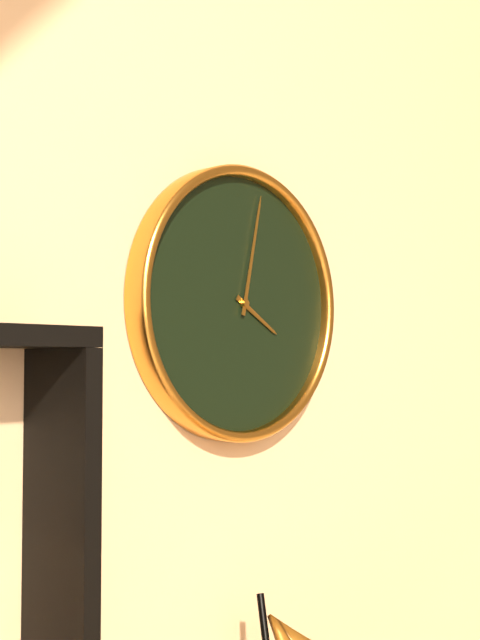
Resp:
4h02
